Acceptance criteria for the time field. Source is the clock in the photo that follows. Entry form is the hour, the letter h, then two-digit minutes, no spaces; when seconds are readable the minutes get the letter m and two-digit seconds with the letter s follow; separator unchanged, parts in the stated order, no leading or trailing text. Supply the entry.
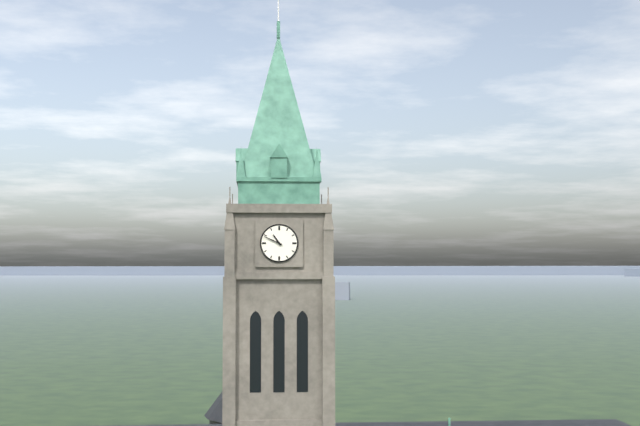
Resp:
10h49
